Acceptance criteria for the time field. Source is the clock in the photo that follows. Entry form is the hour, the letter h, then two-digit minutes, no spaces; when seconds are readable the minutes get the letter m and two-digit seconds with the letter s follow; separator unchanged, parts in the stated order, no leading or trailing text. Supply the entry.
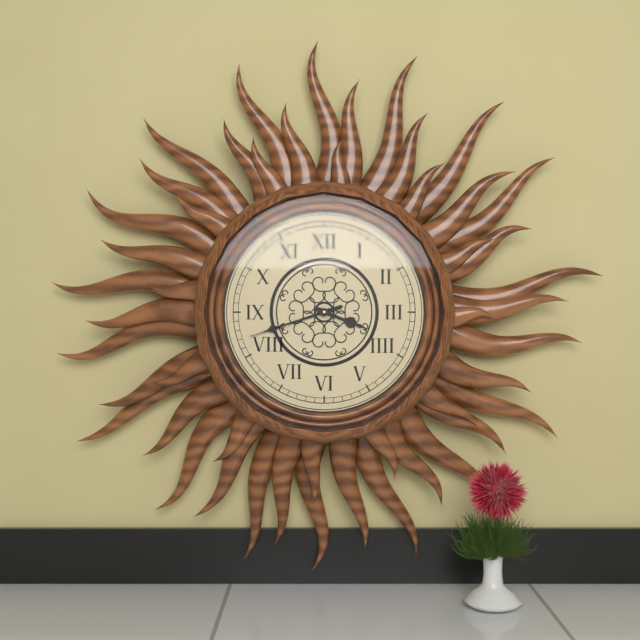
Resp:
3h42m42s
